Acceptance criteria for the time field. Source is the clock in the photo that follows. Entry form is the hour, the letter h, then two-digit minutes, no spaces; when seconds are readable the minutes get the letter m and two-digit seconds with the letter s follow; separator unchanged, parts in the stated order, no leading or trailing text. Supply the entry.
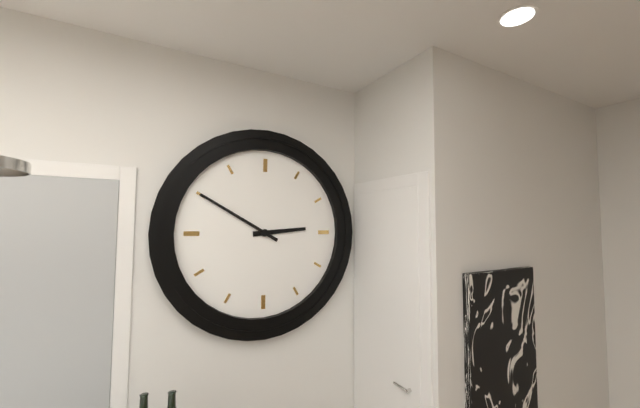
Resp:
2h50
